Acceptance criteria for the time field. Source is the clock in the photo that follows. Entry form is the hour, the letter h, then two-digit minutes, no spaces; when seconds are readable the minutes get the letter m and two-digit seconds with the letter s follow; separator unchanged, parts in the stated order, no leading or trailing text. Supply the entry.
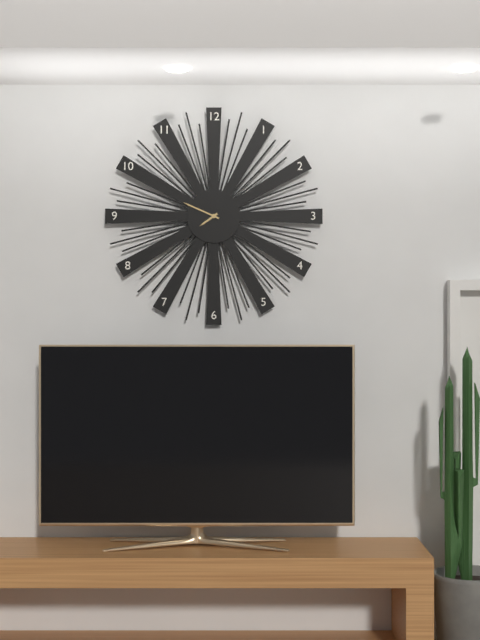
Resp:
7h49
